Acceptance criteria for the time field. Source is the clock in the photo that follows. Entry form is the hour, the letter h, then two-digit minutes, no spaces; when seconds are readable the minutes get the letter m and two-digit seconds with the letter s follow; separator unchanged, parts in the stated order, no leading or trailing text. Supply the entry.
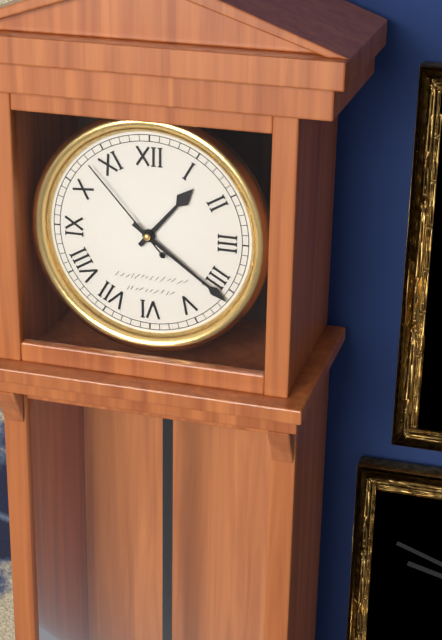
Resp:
1h21m53s
